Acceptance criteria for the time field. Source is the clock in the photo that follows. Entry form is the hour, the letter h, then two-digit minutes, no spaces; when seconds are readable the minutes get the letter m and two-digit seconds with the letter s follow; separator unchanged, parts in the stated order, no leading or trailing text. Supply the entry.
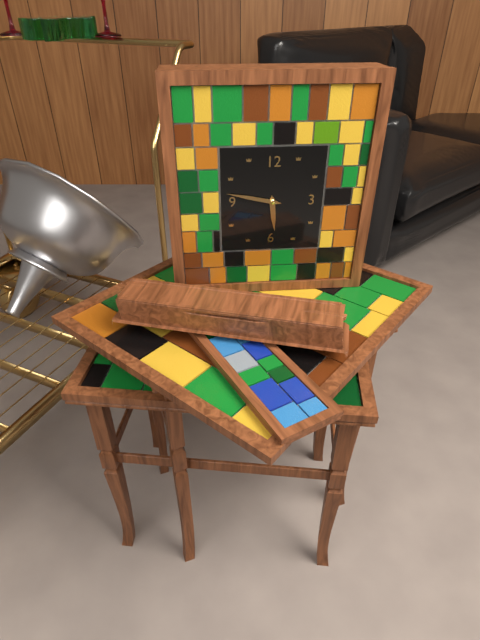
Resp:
5h47
